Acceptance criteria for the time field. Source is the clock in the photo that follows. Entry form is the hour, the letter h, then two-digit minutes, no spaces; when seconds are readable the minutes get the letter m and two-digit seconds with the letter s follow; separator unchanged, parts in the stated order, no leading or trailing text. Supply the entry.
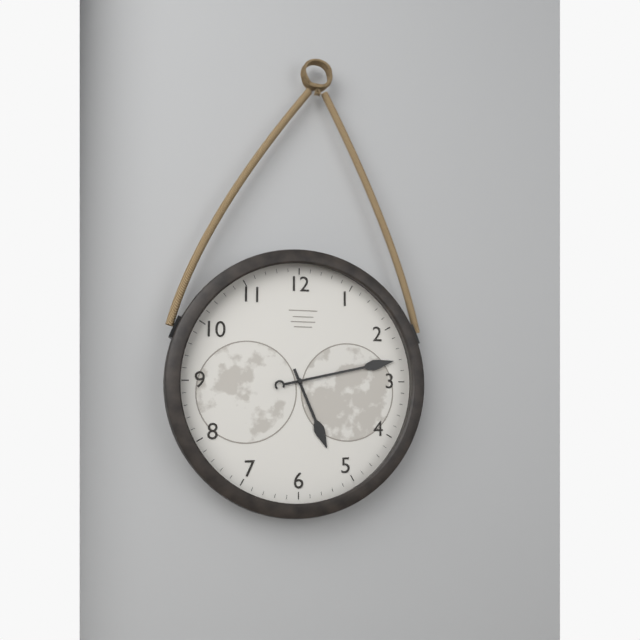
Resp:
5h13
